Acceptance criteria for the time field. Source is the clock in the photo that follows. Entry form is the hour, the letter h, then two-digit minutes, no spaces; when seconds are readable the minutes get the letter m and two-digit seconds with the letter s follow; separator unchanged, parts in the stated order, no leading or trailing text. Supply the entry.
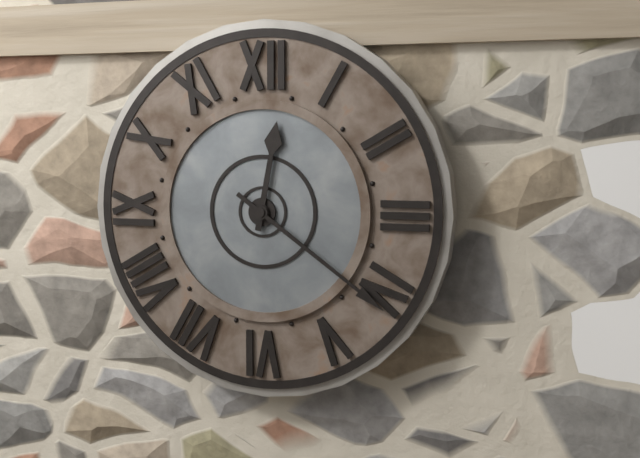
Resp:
12h21
